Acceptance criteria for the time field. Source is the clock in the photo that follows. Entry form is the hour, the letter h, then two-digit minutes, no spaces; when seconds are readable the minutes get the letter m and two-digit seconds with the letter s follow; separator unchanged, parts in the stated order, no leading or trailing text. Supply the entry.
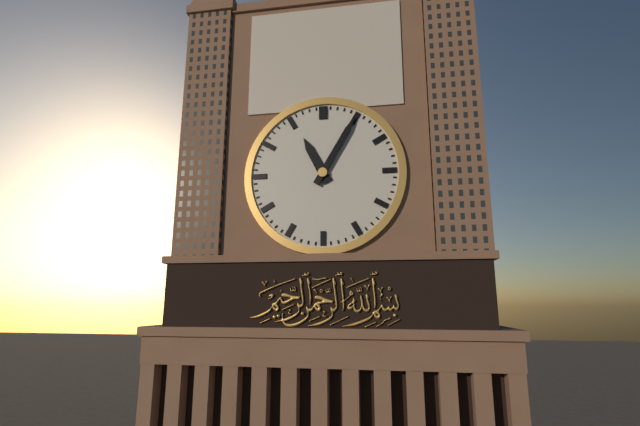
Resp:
11h05
